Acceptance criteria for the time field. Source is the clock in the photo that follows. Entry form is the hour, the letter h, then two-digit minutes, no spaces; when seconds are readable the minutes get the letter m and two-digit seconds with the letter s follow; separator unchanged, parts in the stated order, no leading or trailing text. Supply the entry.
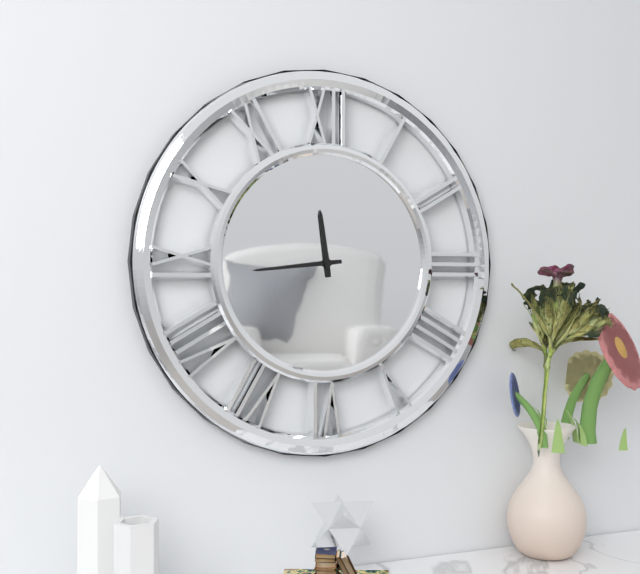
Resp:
11h44
